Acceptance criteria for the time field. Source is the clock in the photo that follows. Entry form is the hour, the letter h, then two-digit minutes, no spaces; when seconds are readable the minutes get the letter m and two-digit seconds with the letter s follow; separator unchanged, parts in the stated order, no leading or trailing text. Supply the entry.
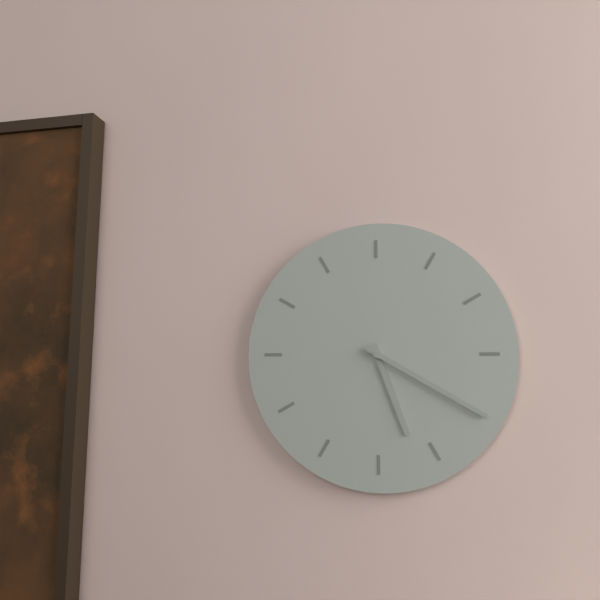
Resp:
5h20
